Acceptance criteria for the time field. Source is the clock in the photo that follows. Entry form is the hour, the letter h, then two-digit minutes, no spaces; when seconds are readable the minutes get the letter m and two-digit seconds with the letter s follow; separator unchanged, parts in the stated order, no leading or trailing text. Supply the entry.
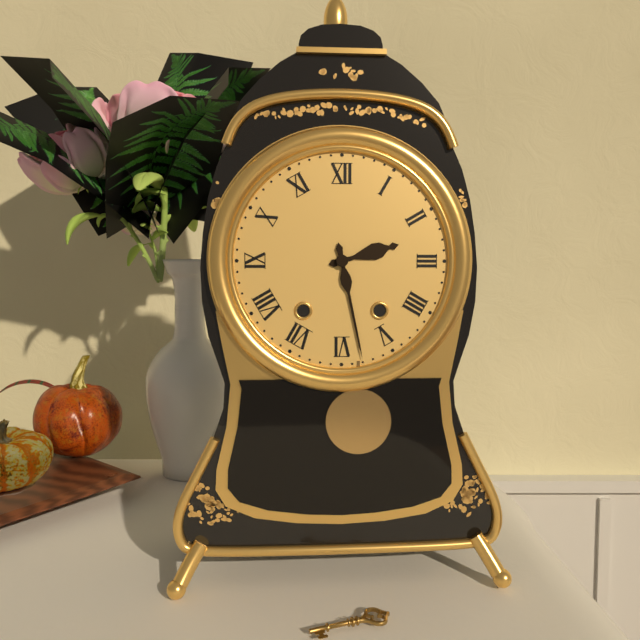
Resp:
2h28
